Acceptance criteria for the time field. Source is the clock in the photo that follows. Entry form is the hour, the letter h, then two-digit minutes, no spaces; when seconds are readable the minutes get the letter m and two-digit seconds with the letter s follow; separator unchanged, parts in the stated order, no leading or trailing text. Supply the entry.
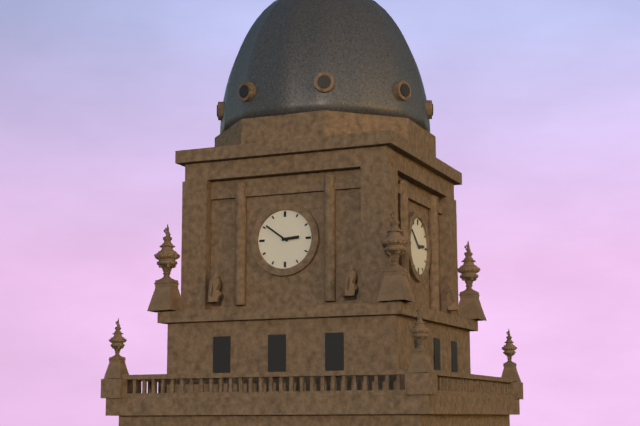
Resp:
2h51
